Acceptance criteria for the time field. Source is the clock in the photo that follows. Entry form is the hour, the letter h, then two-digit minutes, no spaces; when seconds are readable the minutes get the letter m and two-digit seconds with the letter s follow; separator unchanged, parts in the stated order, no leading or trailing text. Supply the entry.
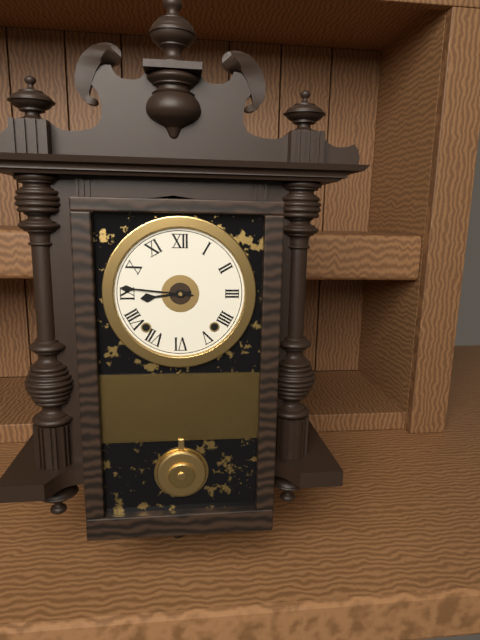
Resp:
8h46
